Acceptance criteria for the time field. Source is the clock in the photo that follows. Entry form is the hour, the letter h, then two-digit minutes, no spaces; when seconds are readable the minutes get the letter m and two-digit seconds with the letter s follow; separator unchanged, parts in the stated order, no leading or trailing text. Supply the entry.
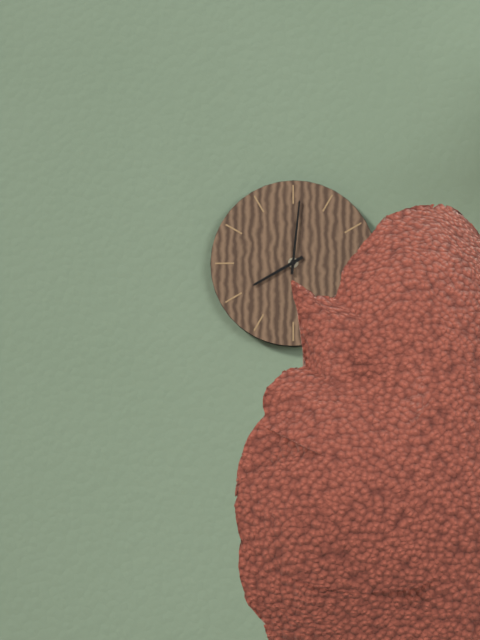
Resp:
8h01
